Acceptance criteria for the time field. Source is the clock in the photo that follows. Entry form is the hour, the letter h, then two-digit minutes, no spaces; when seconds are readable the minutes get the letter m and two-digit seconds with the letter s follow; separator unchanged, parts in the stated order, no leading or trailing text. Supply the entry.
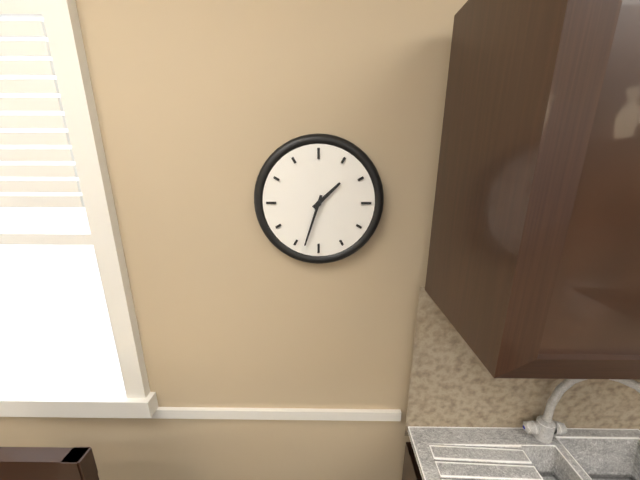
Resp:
1h33
